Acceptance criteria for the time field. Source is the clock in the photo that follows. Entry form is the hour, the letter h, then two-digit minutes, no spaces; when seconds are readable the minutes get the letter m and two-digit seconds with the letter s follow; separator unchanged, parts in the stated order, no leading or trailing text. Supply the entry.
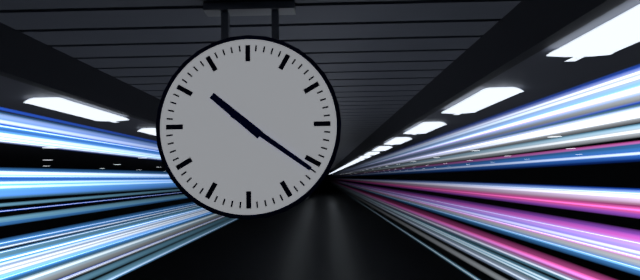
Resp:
10h21
